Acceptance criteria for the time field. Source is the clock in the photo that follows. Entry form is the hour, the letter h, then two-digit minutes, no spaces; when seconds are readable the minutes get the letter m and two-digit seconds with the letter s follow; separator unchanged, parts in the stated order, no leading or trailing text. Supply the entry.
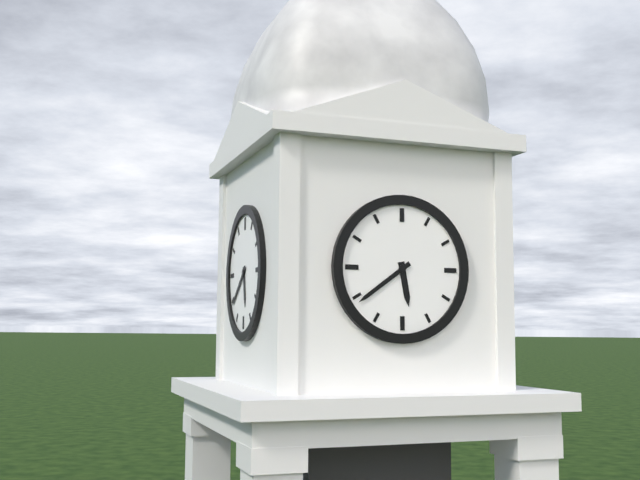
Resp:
5h39
